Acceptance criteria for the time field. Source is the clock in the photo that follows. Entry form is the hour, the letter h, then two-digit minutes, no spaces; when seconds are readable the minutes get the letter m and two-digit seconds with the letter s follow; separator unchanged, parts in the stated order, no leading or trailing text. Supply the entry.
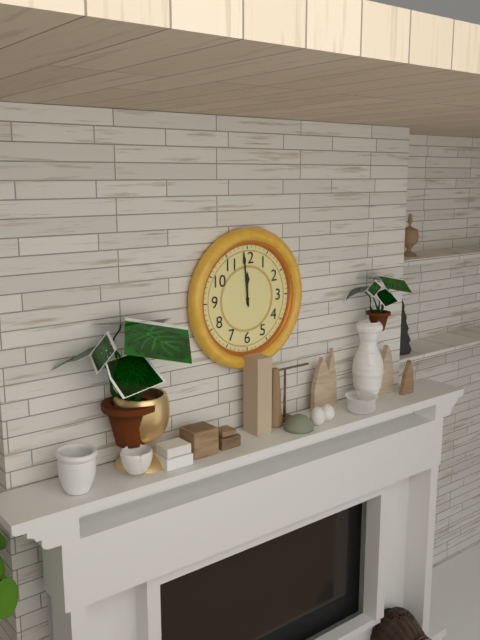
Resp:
11h59
